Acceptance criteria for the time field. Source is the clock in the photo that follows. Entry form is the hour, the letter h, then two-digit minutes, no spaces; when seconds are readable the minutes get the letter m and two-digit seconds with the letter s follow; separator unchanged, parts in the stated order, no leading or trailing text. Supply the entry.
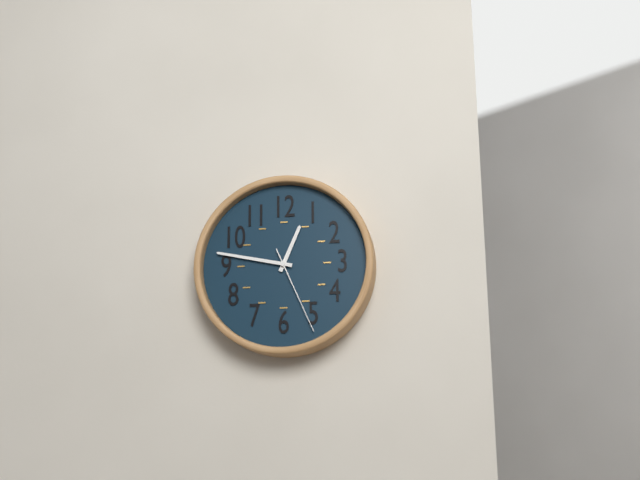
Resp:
12h47m26s
